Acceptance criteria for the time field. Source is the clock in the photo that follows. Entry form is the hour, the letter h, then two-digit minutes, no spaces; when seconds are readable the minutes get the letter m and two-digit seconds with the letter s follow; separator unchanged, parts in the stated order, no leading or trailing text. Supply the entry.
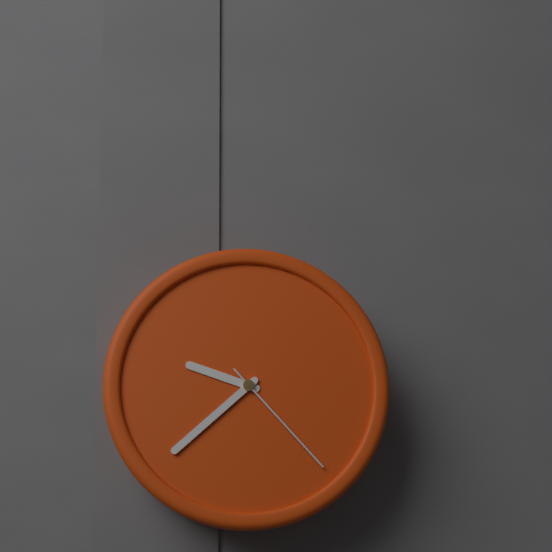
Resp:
9h38m23s
